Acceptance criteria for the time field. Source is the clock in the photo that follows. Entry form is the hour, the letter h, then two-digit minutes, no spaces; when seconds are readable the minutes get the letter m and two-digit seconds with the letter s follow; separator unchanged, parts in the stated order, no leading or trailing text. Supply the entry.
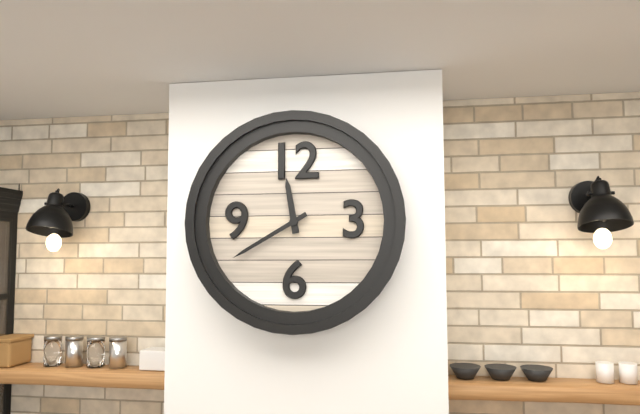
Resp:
11h40
